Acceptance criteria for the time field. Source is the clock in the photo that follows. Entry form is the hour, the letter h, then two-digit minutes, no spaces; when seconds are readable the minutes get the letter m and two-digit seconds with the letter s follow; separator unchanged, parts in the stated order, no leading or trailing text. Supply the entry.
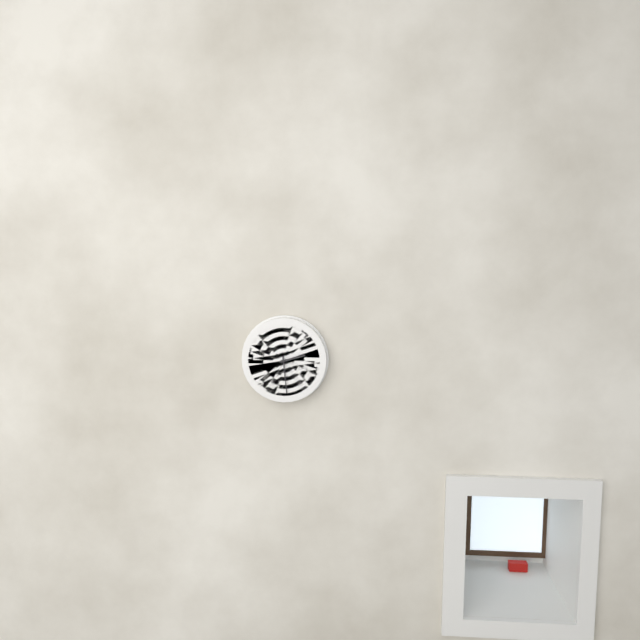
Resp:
2h29
